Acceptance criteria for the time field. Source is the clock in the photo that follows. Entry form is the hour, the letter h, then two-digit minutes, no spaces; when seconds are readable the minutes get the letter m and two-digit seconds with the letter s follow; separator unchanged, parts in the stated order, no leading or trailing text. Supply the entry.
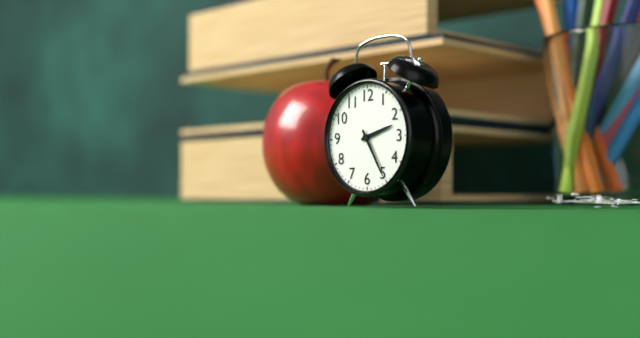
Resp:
2h25
